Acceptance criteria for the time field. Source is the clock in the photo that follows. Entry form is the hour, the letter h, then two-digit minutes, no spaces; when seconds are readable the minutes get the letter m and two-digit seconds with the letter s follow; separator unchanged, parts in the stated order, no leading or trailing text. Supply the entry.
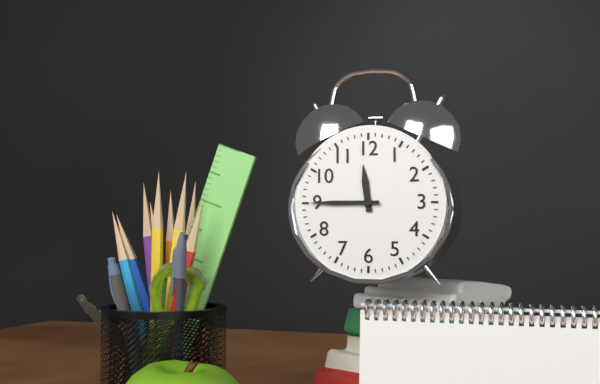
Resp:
11h45
